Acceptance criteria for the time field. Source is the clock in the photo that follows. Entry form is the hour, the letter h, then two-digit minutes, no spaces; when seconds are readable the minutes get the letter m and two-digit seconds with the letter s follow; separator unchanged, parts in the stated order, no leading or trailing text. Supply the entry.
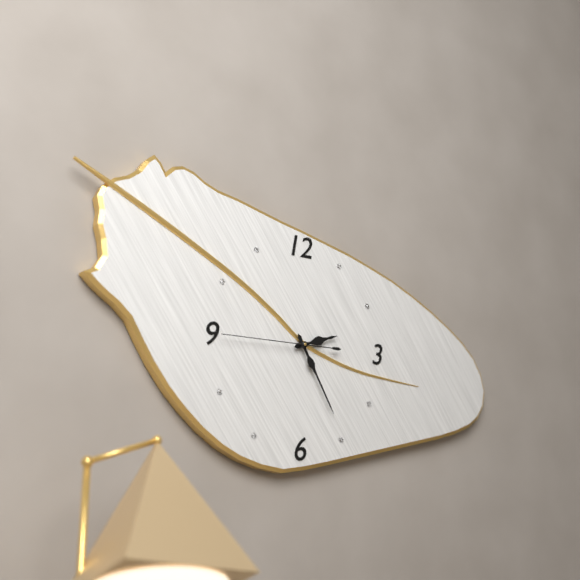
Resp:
2h25m45s
